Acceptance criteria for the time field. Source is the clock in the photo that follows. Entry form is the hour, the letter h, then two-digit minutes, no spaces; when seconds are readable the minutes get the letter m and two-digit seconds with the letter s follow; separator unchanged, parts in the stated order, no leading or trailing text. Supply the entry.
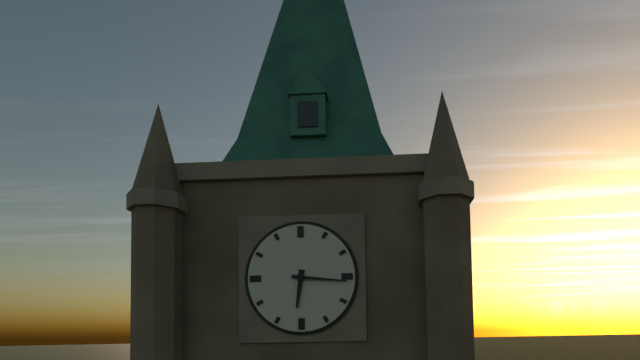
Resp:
6h16
